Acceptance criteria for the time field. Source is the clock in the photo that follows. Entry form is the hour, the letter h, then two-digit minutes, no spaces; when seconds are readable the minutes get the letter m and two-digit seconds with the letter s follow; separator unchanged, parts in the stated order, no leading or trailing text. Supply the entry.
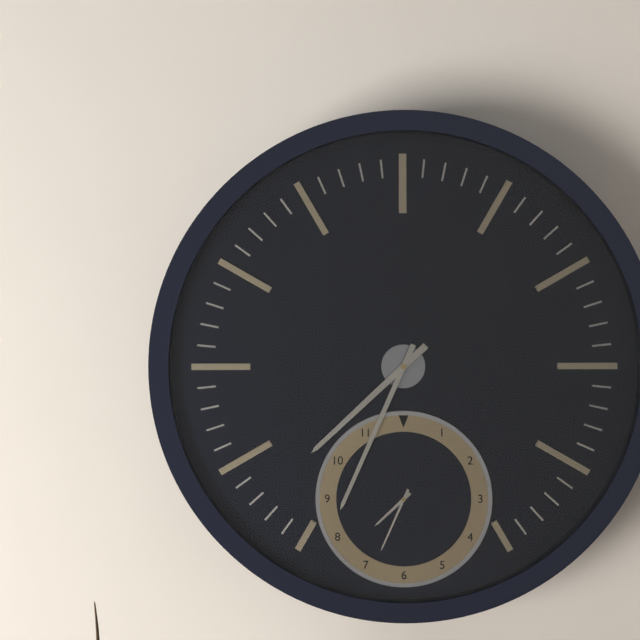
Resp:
7h34
